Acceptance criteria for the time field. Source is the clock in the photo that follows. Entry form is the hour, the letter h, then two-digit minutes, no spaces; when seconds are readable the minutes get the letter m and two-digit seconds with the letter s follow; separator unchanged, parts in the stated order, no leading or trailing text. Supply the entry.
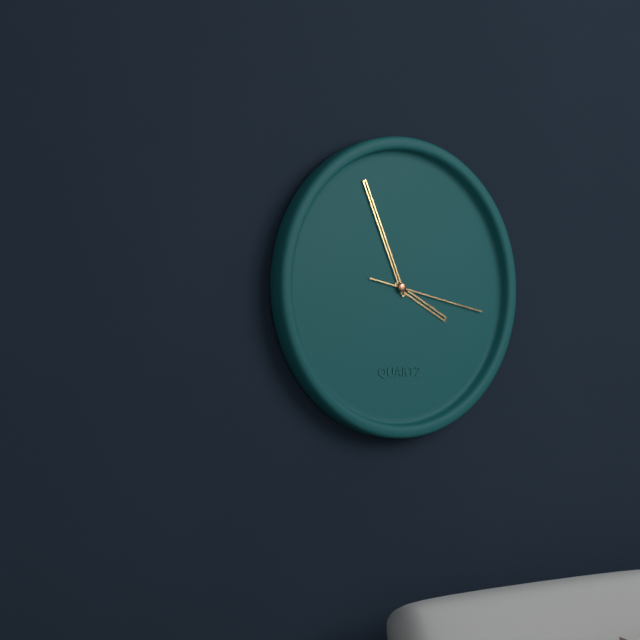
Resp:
3h56m17s
